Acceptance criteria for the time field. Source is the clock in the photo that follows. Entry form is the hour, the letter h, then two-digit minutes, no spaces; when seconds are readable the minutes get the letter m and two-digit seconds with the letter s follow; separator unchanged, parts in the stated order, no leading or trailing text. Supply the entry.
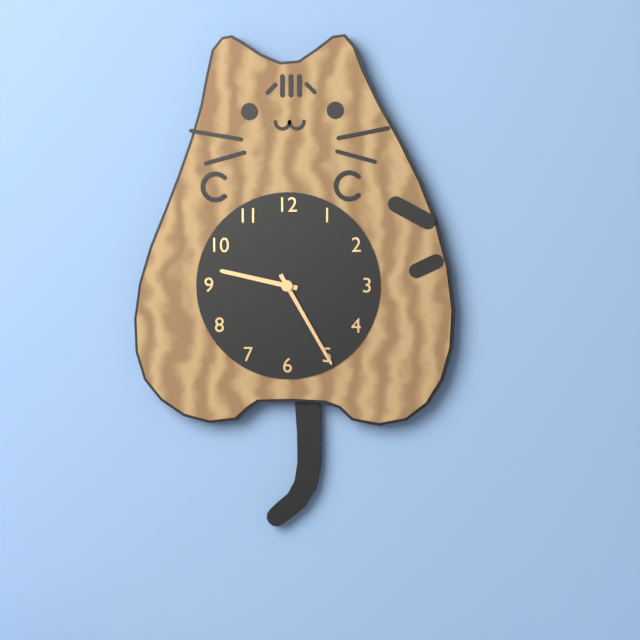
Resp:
9h25
